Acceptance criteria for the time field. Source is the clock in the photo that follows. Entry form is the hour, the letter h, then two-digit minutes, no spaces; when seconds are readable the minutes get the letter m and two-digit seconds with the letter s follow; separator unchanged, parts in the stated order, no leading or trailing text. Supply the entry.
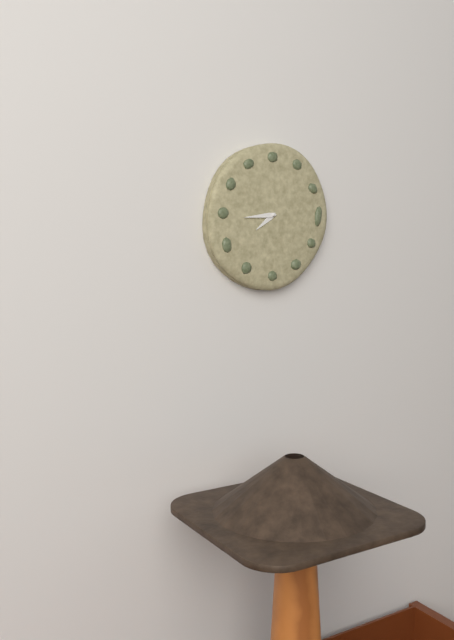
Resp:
7h44
